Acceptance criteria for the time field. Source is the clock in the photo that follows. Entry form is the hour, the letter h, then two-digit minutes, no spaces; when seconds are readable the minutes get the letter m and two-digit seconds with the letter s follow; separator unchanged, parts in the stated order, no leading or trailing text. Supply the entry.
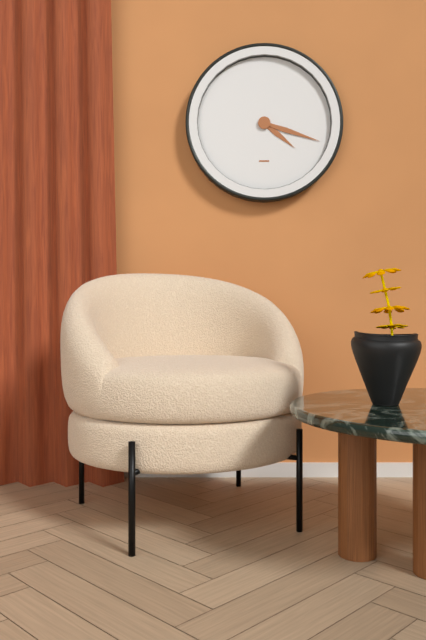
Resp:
4h18
